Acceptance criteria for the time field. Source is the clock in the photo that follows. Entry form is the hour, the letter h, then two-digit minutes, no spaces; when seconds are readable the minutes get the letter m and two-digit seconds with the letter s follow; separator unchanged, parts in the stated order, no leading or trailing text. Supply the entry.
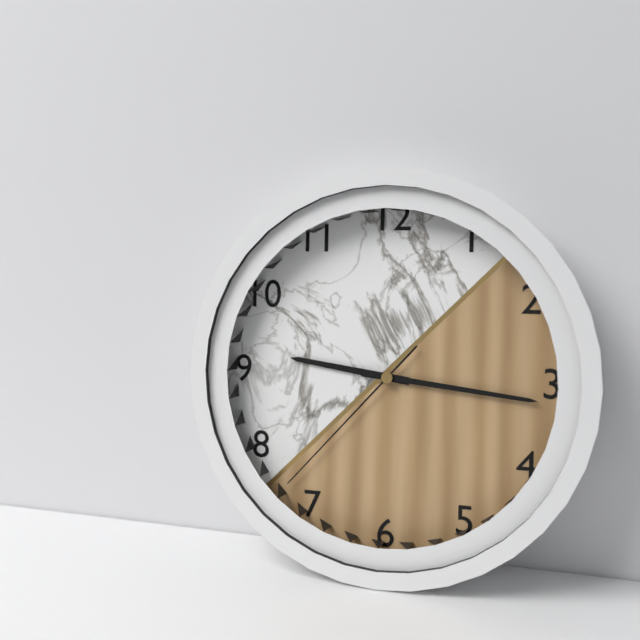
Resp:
9h16m37s
